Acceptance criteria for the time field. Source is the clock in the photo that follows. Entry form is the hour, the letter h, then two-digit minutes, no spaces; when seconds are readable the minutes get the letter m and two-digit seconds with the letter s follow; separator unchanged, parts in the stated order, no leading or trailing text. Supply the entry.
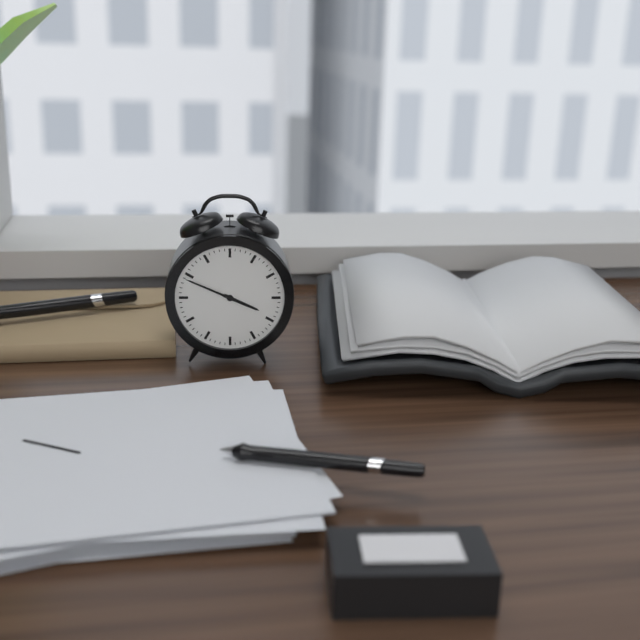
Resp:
3h49
